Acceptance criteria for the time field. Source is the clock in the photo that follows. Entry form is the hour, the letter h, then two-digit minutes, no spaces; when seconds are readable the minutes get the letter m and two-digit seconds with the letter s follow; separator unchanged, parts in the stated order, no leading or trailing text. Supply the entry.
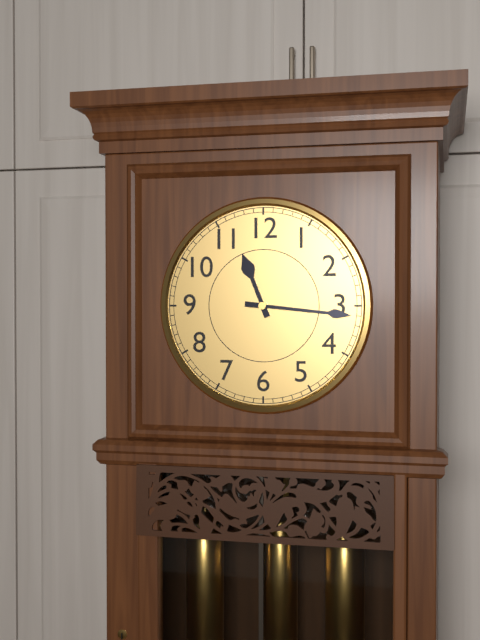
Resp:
11h16
